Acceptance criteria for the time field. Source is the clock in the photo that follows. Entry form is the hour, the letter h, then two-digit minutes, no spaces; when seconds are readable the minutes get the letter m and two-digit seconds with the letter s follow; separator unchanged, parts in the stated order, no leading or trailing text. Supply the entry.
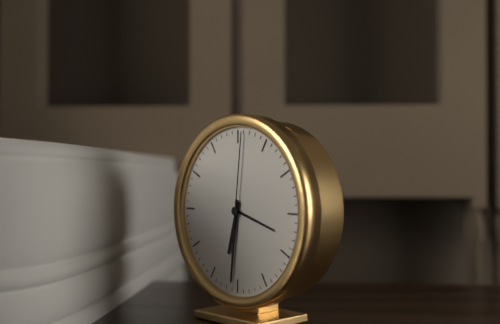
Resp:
6h31m01s
